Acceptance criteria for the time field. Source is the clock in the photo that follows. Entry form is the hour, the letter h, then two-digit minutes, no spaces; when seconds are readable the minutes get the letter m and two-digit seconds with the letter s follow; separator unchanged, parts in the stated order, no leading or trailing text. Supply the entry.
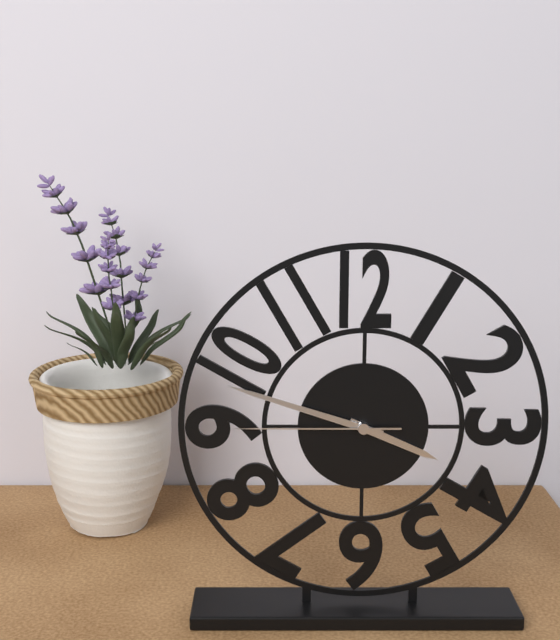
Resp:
3h48m45s
